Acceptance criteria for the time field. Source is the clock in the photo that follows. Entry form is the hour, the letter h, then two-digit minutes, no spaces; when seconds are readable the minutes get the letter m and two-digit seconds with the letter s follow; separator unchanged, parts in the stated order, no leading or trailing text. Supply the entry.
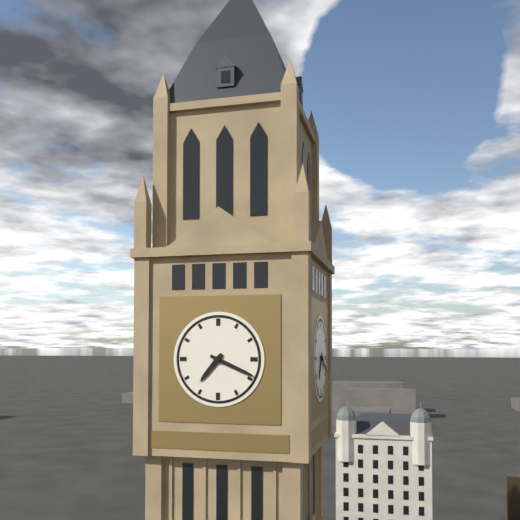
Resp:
7h19
